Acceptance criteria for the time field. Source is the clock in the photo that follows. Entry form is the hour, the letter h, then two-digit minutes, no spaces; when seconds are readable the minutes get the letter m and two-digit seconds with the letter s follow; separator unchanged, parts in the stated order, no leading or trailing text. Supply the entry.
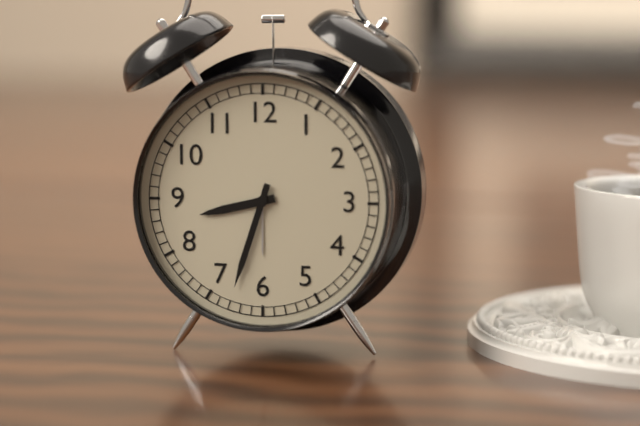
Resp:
8h33
